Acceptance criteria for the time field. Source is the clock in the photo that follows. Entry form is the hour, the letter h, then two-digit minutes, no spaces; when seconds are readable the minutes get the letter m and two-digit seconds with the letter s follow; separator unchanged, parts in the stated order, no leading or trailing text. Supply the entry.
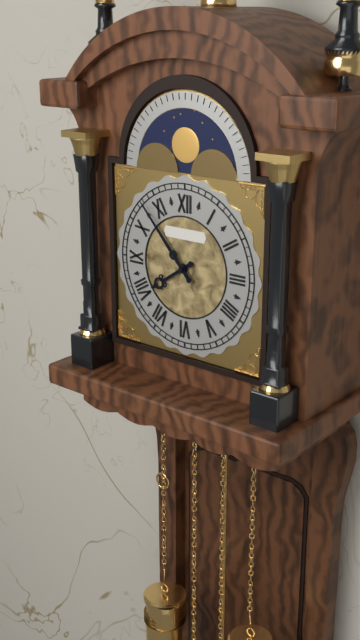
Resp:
7h53
